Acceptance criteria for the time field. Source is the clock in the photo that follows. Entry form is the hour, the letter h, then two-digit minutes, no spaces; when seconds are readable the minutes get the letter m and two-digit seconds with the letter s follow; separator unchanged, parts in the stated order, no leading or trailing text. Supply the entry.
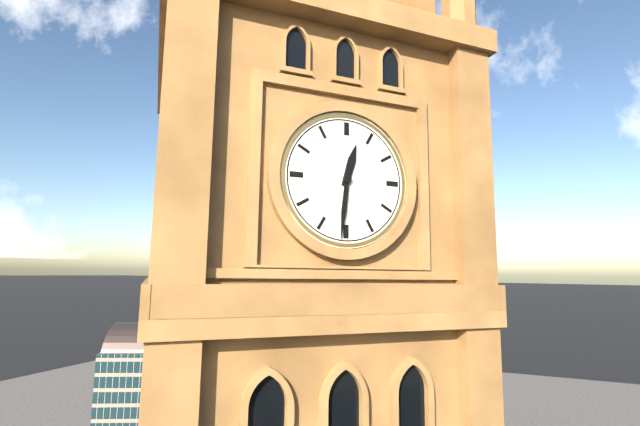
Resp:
12h31
